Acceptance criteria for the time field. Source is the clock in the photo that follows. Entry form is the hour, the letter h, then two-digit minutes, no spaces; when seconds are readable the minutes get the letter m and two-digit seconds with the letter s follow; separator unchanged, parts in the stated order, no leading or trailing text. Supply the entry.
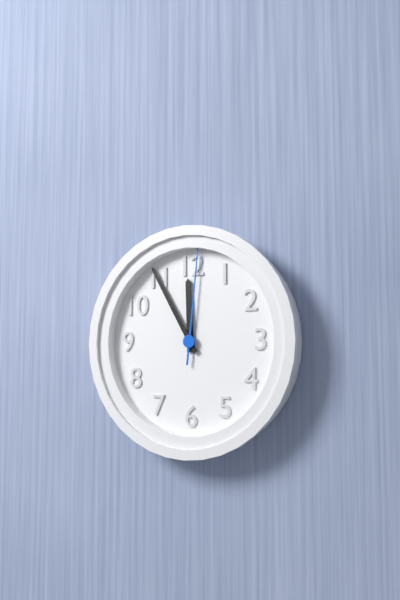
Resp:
11h55m01s
